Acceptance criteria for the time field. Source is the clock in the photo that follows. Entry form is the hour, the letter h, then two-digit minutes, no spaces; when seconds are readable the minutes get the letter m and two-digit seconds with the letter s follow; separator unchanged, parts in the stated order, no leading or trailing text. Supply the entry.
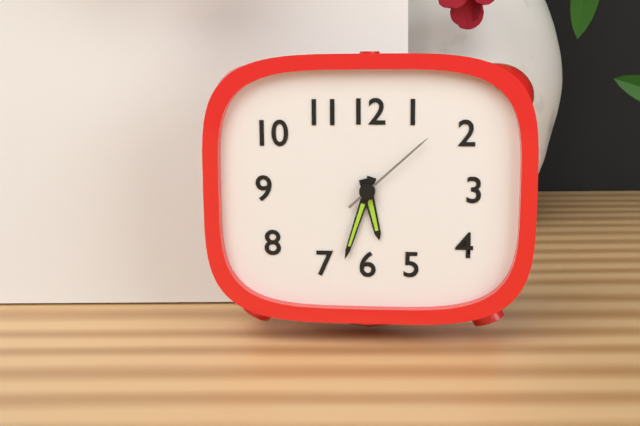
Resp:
5h33m08s
